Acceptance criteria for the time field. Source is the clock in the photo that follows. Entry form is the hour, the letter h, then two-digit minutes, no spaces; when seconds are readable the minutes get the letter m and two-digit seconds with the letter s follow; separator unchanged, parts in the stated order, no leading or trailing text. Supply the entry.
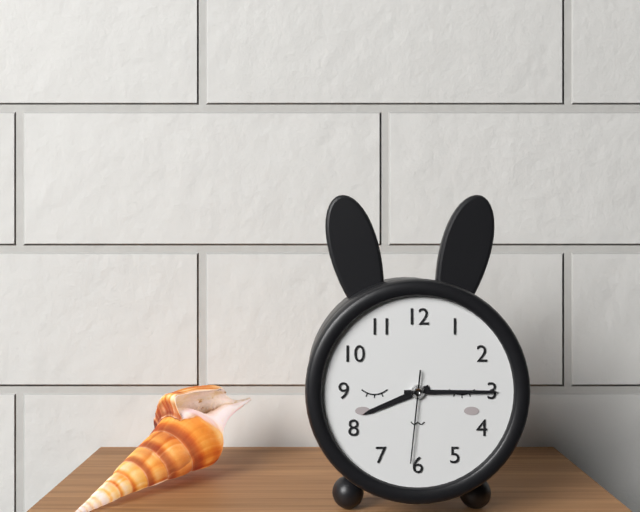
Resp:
8h15m31s
